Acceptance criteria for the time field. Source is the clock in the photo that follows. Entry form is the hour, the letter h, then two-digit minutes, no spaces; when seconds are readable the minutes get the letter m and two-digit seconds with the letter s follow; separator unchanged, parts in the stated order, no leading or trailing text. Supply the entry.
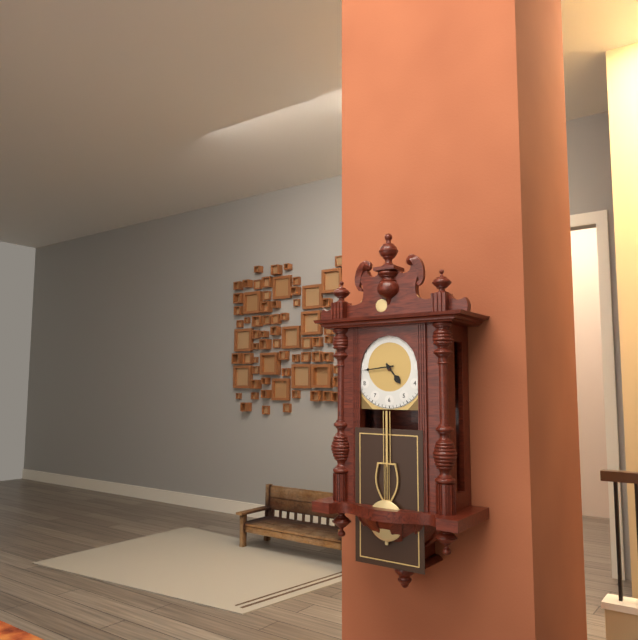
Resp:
4h44
